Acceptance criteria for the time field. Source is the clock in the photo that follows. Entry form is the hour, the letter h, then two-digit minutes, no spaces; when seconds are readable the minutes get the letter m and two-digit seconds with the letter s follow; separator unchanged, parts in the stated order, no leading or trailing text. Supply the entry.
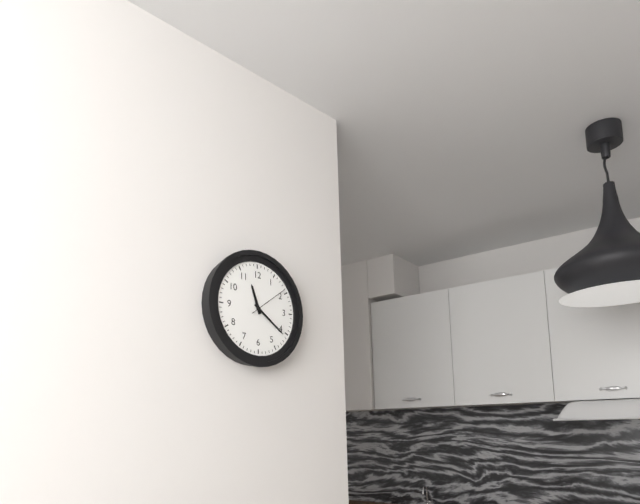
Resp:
11h21
